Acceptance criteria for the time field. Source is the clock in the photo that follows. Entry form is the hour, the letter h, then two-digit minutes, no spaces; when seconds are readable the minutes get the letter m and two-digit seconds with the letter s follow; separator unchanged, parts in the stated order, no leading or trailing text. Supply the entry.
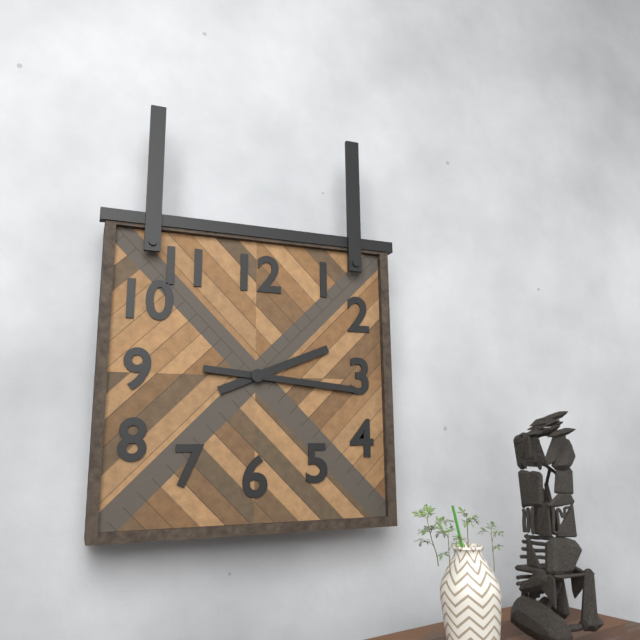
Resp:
2h16
